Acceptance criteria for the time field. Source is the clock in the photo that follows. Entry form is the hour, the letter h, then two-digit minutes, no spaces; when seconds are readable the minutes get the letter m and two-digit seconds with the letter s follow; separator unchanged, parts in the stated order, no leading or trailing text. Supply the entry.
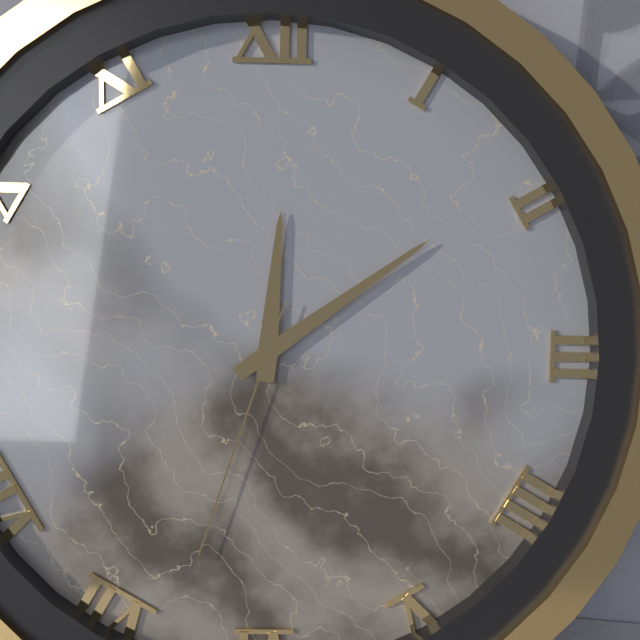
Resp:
12h09m33s
